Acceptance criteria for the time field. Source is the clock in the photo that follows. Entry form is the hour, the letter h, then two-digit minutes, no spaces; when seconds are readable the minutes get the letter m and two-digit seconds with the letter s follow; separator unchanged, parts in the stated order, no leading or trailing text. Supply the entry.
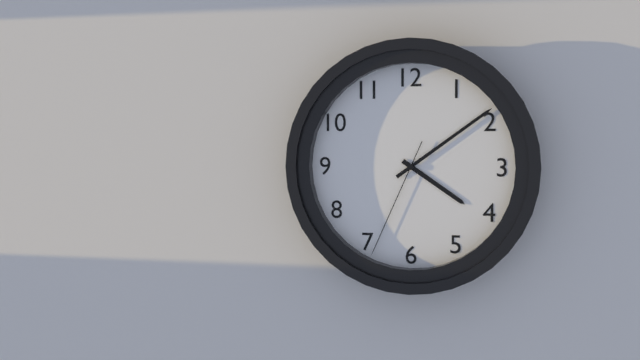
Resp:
4h09m34s
